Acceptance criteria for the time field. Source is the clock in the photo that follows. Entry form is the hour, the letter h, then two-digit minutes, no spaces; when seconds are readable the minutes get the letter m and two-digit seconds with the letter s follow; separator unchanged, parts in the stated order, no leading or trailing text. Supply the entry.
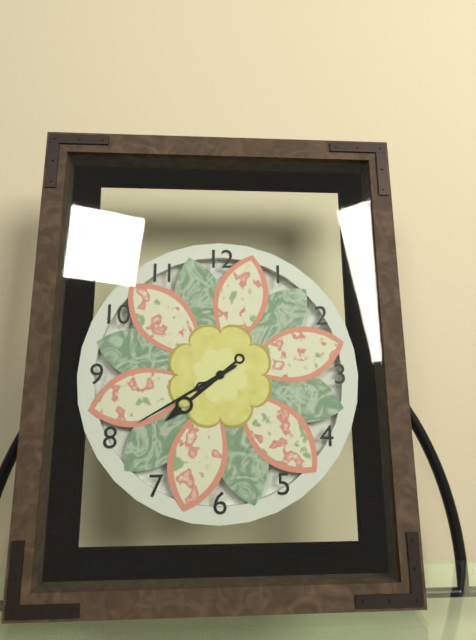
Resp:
7h40
